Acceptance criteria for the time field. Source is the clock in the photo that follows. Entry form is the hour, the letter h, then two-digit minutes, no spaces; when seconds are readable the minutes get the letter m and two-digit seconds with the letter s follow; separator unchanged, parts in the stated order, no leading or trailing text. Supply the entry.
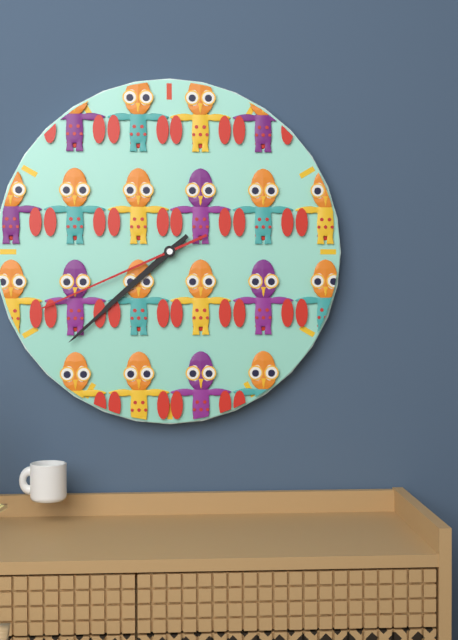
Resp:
7h38m41s
